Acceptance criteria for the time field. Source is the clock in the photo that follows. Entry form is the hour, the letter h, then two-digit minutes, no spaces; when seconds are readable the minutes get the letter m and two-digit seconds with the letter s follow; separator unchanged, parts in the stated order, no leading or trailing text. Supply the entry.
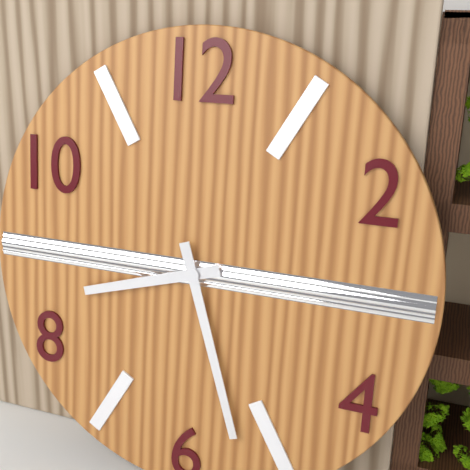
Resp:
8h27
